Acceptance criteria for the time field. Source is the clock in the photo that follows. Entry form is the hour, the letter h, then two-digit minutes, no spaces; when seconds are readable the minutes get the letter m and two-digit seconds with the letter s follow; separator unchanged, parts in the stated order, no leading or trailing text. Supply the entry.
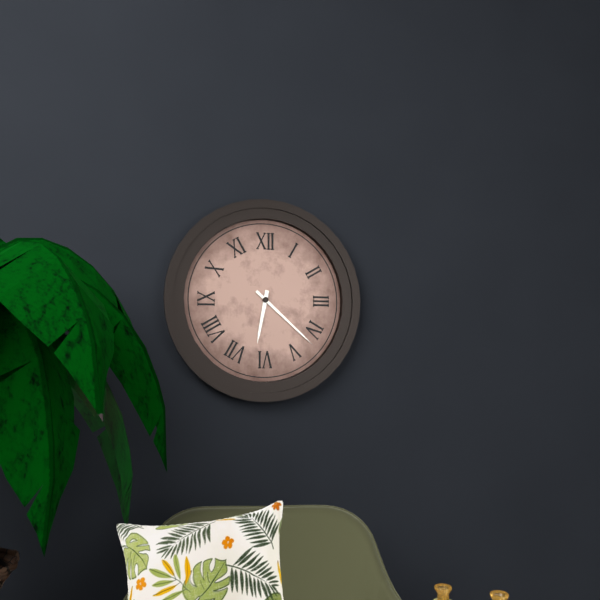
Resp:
6h22
